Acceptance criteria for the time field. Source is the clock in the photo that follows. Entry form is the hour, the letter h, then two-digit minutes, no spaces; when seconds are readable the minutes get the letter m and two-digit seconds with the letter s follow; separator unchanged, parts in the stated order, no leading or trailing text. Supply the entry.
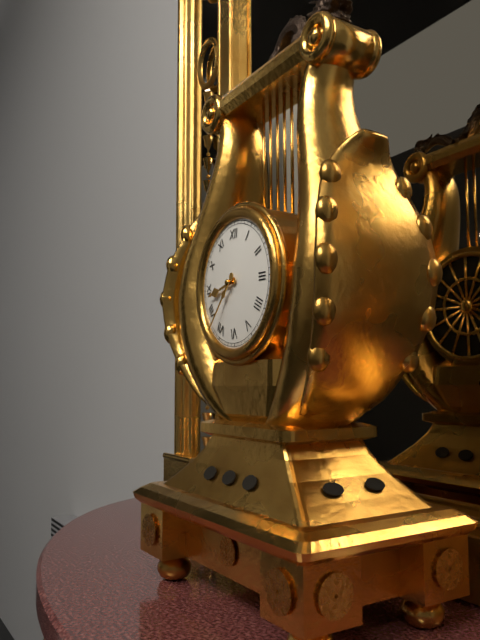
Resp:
8h37
